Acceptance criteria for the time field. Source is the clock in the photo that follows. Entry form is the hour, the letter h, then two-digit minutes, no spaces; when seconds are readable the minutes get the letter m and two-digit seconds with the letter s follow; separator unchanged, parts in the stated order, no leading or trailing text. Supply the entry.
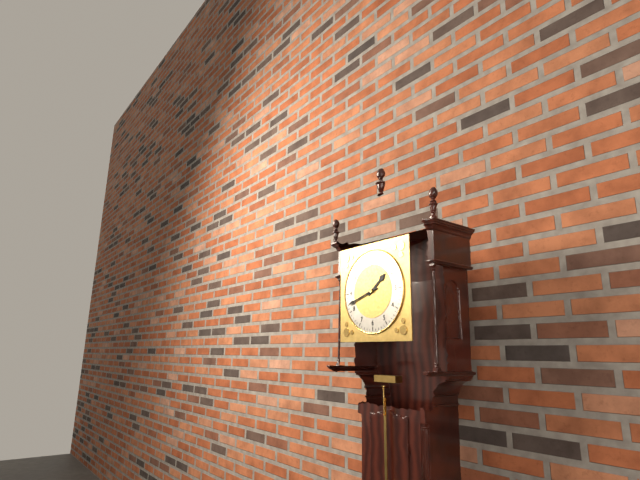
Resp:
1h42
